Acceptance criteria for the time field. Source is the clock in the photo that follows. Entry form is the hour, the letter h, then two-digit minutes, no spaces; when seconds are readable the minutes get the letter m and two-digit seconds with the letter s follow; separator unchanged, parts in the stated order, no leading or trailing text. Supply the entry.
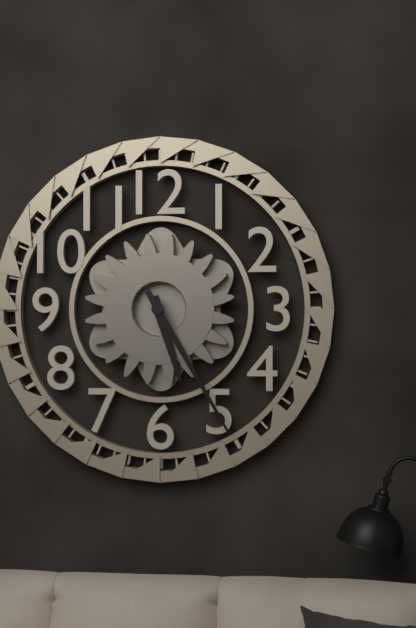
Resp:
5h25
